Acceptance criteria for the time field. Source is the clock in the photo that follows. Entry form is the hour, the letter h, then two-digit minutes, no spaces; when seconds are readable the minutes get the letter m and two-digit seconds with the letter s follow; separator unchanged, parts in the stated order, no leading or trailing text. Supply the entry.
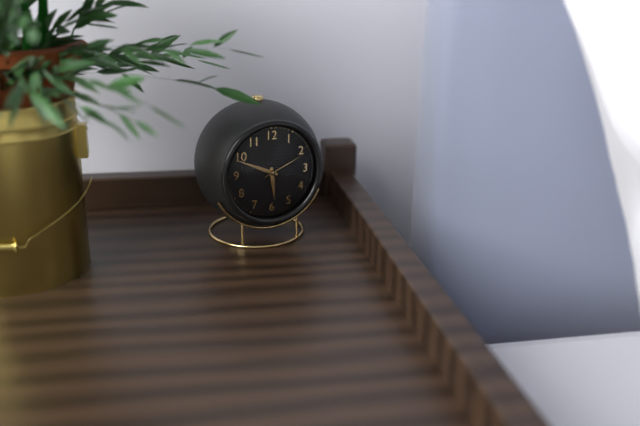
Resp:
5h49
